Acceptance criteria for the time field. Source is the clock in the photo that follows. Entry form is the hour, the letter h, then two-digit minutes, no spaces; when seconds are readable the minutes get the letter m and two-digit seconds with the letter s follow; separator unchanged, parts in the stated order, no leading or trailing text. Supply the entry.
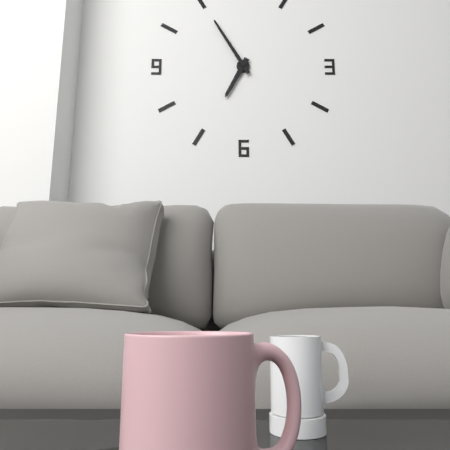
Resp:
6h55
